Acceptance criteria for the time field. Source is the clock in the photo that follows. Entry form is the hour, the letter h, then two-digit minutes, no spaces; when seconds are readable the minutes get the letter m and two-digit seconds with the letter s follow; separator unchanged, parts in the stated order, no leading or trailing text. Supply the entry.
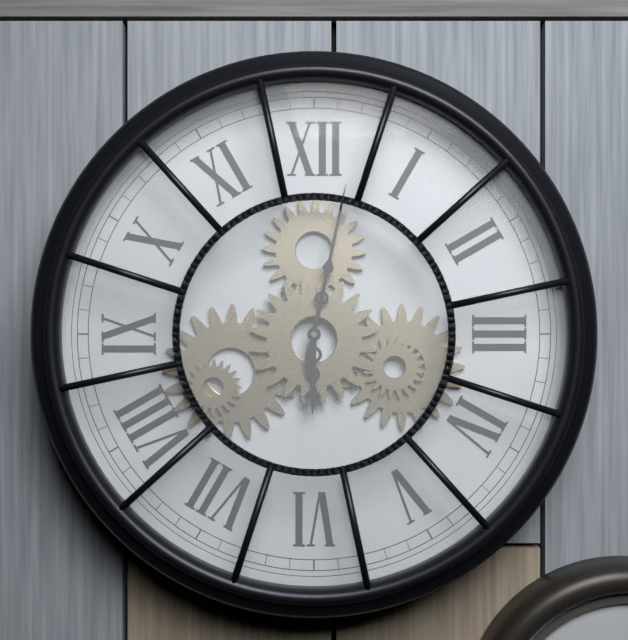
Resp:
6h02
